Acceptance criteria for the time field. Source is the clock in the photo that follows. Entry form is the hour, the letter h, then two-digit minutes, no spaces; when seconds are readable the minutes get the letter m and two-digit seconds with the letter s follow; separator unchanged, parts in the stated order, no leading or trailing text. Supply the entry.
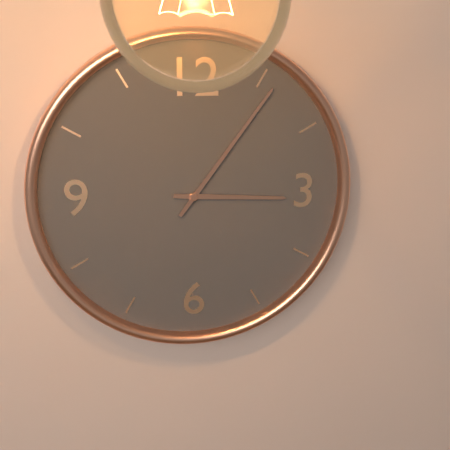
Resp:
3h06
